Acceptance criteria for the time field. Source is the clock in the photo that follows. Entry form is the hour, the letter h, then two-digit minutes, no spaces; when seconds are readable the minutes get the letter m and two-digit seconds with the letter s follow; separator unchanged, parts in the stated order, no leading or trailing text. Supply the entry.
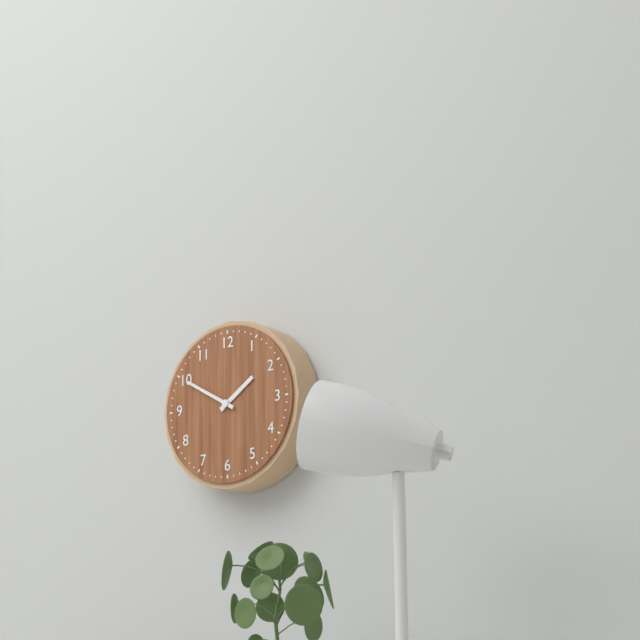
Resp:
1h50
